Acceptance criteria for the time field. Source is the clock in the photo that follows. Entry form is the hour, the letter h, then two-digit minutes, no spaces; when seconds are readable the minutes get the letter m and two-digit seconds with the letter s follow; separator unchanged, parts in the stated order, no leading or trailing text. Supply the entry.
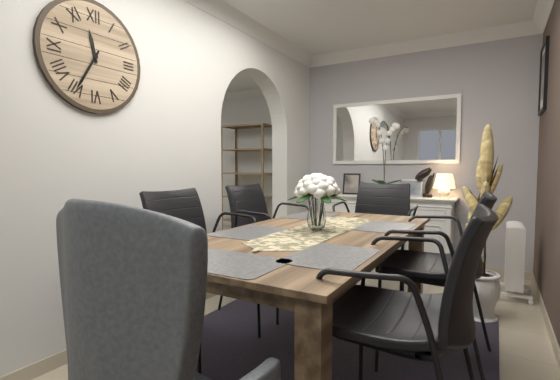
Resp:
11h35
